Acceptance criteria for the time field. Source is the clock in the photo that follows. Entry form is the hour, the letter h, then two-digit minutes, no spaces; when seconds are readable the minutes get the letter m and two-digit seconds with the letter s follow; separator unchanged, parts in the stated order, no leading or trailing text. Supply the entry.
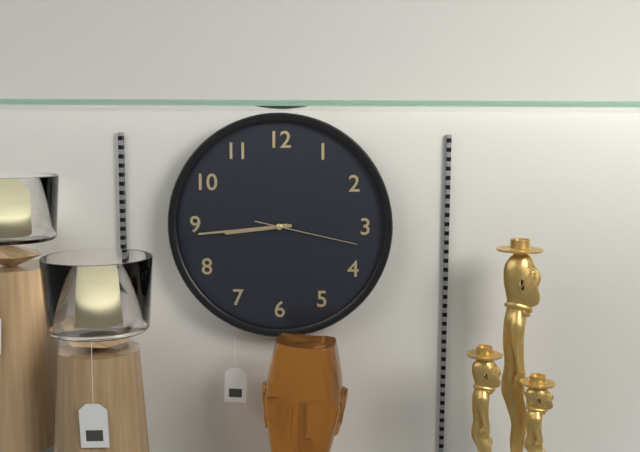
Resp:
8h44m17s
